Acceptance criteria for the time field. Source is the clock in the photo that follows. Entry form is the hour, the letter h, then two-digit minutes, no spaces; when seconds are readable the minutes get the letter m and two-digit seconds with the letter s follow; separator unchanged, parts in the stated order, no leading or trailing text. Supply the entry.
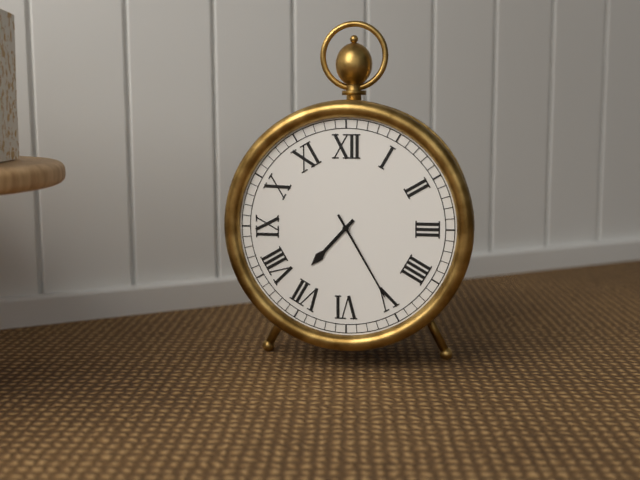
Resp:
7h25
